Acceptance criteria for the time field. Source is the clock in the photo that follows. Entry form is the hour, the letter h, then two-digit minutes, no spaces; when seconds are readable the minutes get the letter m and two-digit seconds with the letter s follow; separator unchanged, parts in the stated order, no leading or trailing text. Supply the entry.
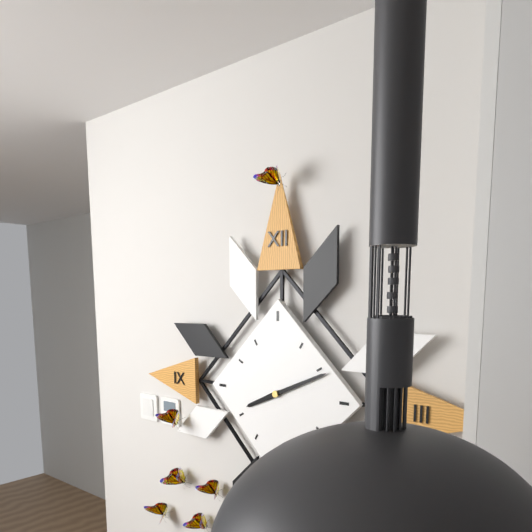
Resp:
8h11
